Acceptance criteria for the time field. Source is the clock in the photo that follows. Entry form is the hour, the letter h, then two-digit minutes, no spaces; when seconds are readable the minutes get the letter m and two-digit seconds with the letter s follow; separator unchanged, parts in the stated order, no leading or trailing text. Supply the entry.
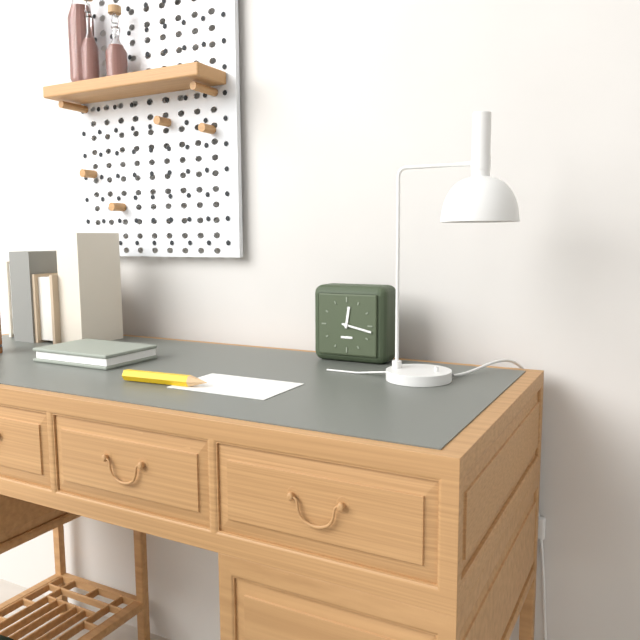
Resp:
12h17
